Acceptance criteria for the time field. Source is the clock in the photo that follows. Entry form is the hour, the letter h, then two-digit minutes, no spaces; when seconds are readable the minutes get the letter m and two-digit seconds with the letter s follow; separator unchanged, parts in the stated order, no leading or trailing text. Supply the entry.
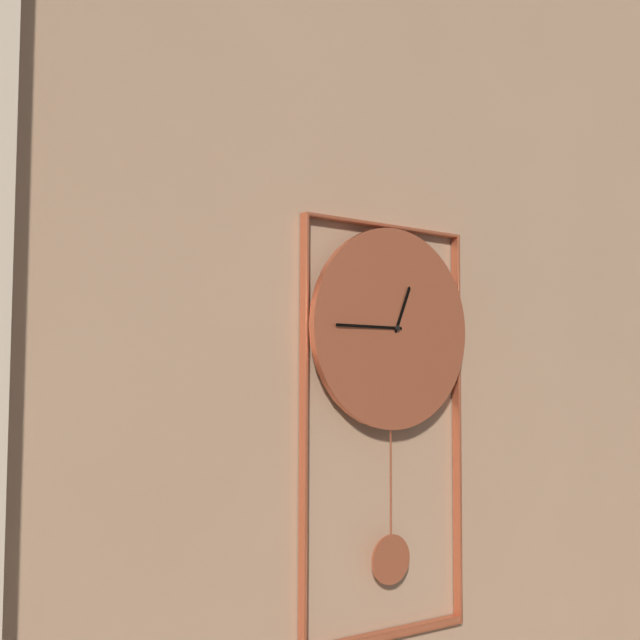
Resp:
12h45
